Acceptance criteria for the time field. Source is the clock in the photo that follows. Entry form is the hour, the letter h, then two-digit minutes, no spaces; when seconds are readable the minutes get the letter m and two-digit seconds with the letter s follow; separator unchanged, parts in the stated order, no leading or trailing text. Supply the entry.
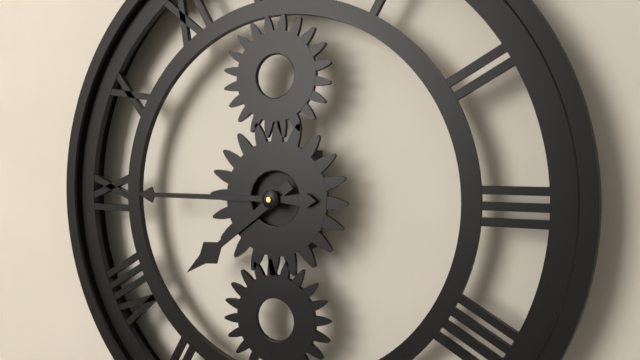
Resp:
7h45
